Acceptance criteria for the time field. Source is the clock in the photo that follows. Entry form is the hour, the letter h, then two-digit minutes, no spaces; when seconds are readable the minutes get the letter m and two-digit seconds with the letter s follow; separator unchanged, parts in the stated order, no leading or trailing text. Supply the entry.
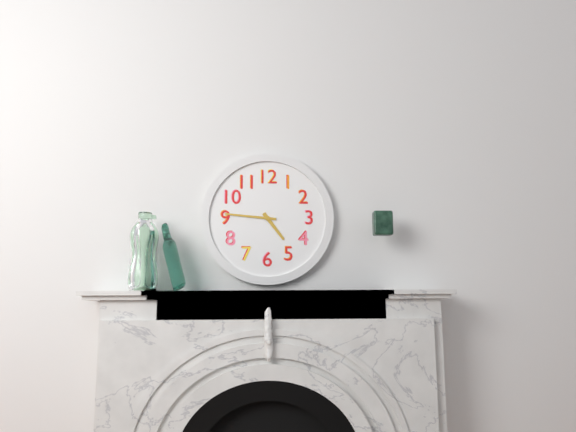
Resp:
4h46
